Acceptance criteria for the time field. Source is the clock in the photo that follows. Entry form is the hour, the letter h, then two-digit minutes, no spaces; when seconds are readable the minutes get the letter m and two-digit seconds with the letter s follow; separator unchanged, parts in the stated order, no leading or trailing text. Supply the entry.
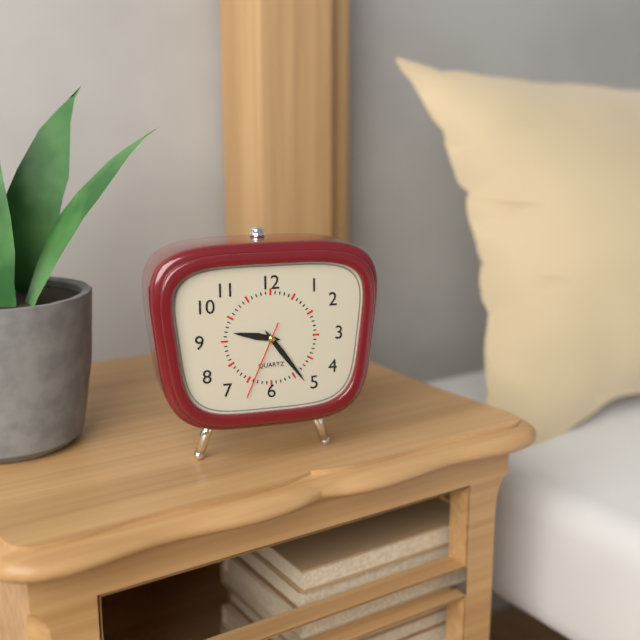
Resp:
9h24m34s
